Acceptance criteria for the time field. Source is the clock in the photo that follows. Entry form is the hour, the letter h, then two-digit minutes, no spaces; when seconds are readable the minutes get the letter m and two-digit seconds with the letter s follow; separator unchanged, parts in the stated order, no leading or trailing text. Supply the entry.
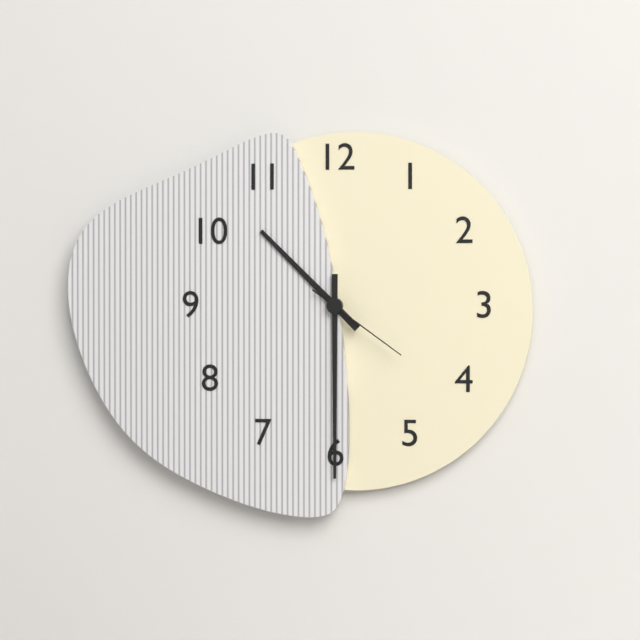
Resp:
10h30m21s
